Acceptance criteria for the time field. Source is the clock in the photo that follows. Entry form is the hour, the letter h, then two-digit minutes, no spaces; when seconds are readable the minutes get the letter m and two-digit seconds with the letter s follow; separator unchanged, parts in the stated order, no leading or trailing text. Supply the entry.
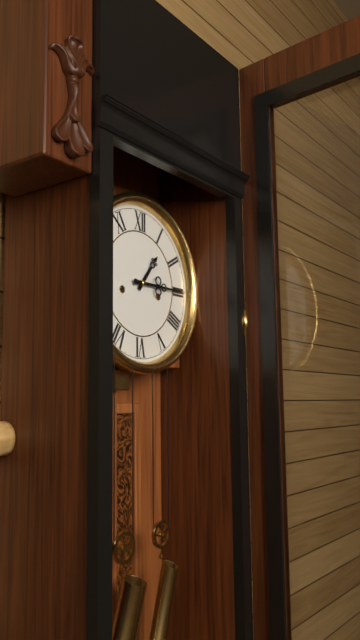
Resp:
1h15
